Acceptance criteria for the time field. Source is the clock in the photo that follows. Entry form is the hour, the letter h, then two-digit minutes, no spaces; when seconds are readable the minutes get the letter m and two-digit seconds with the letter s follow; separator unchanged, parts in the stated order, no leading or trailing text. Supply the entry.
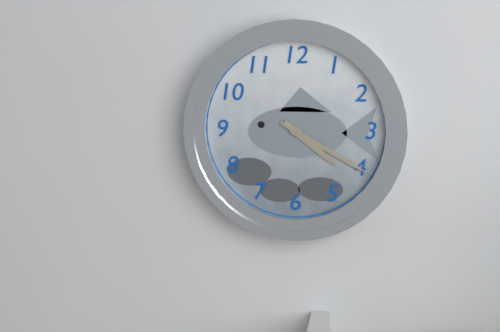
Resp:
4h20
